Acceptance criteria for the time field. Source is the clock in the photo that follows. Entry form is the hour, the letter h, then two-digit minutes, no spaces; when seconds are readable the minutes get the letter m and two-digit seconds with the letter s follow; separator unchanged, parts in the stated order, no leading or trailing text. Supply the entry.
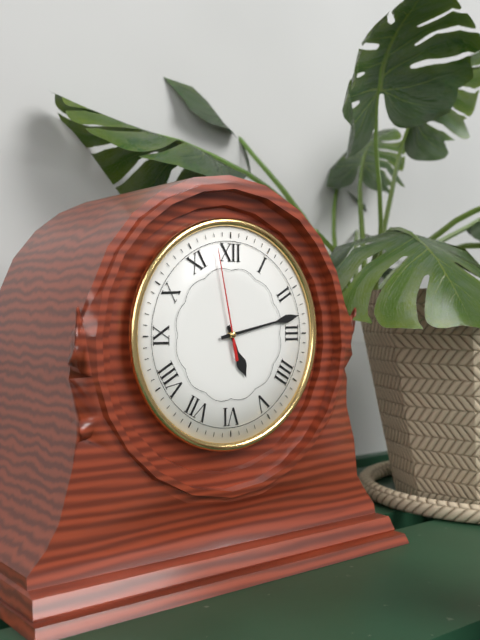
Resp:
5h13m58s
